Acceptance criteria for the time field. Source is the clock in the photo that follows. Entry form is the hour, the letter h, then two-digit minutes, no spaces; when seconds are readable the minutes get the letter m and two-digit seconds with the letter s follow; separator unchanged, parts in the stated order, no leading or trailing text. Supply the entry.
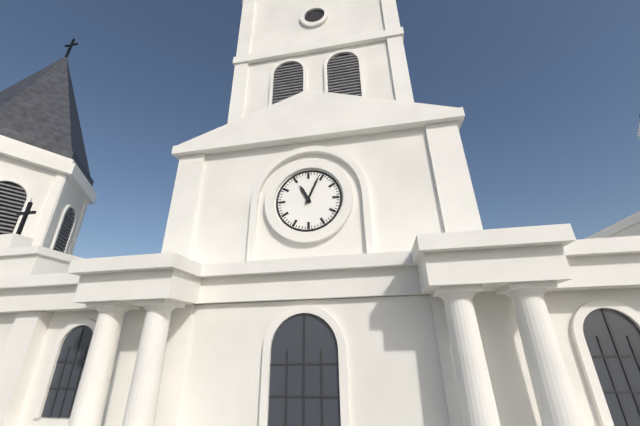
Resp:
11h04
